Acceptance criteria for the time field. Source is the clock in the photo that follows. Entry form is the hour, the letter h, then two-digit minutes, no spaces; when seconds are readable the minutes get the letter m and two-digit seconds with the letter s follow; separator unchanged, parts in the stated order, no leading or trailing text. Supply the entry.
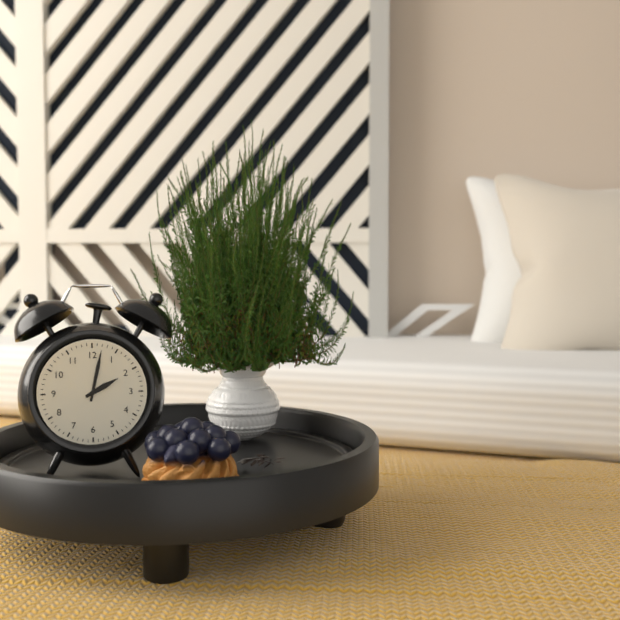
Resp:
2h02
